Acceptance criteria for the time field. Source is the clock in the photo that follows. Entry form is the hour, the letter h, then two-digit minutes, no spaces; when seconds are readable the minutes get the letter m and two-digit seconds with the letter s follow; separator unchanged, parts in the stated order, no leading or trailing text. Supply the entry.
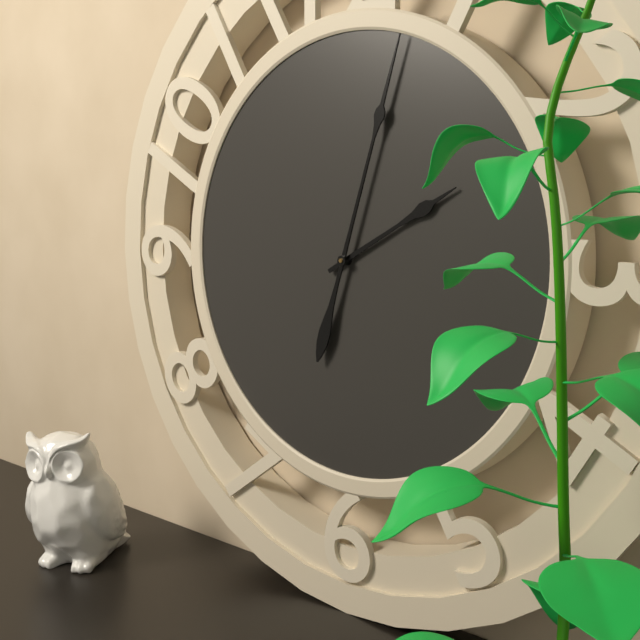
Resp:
2h03
